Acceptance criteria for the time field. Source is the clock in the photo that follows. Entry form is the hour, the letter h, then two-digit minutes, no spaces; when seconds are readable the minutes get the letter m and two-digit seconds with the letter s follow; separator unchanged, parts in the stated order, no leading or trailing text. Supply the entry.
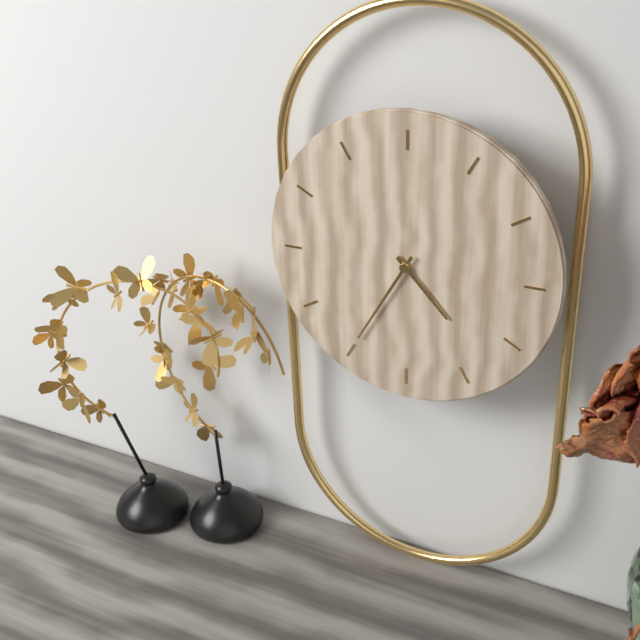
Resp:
4h35
